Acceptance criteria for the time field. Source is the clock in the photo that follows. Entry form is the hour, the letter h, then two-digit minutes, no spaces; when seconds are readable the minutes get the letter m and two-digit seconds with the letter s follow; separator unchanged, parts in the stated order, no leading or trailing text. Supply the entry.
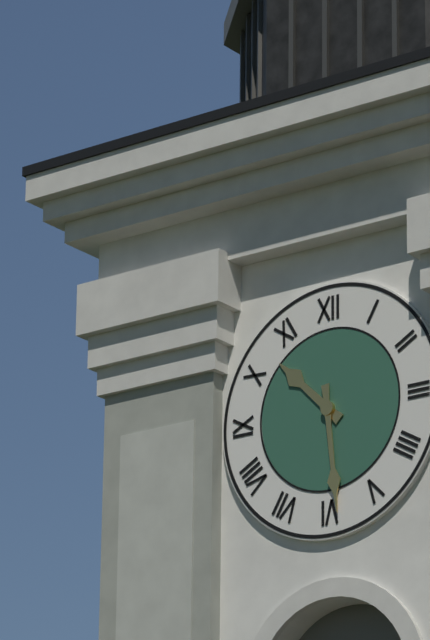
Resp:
10h29
